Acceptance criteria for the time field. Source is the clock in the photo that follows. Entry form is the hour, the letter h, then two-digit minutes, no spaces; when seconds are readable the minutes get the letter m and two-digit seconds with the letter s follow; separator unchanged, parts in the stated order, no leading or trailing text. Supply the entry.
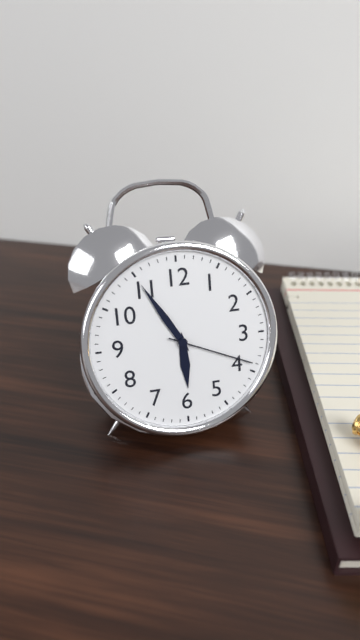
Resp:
5h55m19s
